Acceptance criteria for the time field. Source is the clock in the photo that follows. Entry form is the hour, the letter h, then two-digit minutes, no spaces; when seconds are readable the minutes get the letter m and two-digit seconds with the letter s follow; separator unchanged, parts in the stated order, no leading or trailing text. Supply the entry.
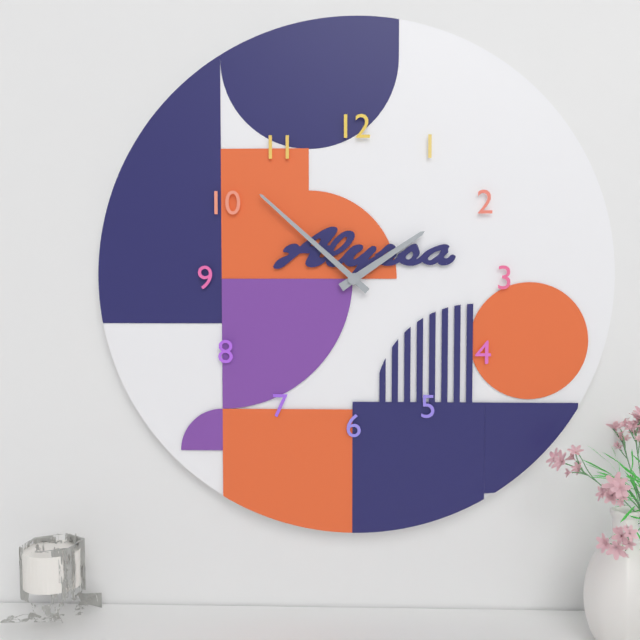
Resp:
1h52
